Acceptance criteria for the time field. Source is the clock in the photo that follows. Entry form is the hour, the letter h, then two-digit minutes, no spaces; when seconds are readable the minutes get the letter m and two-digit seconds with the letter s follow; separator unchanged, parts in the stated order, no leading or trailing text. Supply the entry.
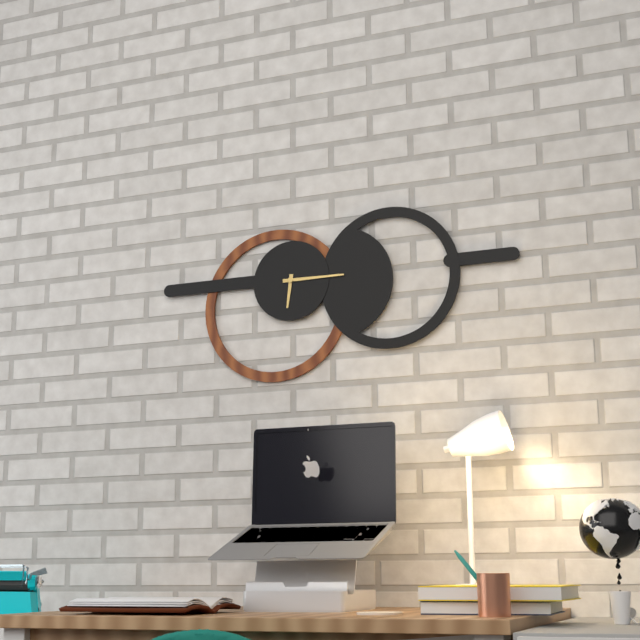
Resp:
6h15
